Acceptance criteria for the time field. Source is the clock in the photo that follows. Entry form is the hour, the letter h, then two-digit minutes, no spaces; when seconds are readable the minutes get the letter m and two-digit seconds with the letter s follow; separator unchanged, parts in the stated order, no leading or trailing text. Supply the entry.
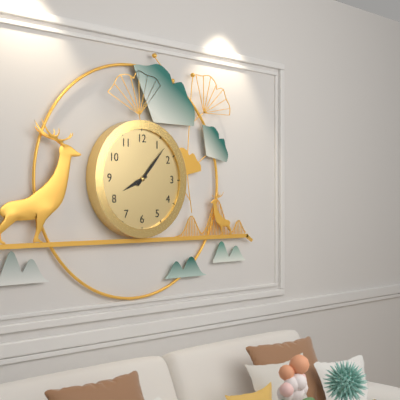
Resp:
8h07
